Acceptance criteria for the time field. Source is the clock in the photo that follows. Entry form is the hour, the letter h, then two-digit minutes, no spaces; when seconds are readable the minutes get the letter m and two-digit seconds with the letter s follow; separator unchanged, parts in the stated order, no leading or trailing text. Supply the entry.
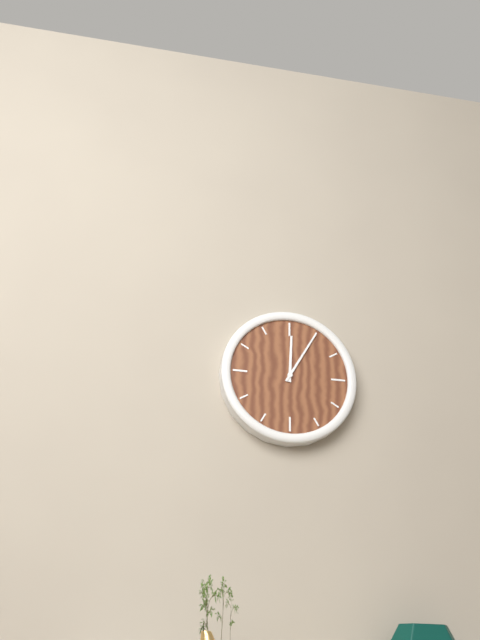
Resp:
12h05
